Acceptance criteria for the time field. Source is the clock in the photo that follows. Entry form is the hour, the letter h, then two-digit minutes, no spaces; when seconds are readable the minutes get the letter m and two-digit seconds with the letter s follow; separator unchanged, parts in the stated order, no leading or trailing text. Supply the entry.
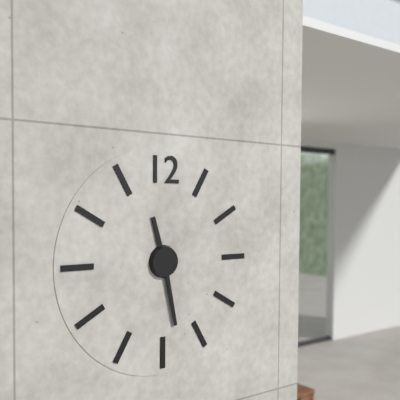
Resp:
11h28
